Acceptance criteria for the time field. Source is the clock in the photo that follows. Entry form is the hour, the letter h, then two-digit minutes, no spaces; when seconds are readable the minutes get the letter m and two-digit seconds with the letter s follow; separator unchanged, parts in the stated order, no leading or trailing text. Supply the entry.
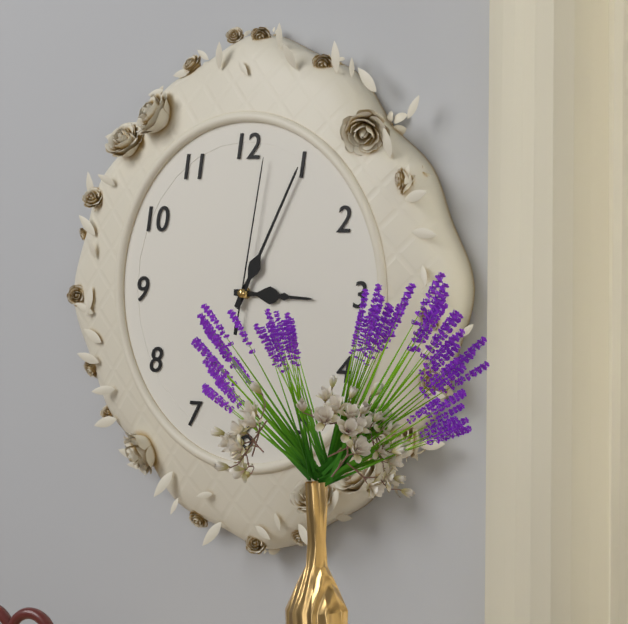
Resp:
3h05m02s
